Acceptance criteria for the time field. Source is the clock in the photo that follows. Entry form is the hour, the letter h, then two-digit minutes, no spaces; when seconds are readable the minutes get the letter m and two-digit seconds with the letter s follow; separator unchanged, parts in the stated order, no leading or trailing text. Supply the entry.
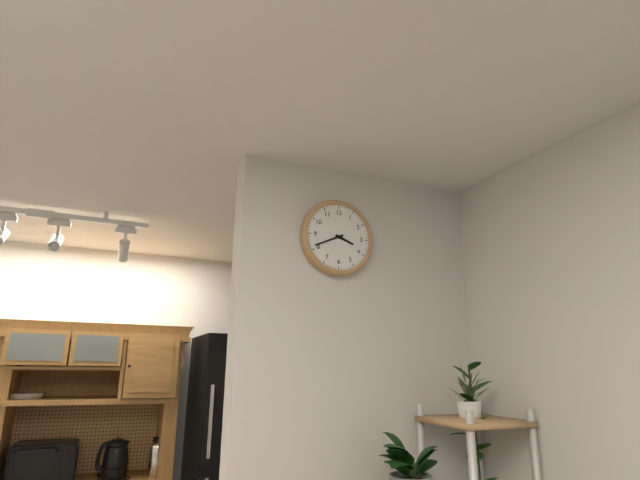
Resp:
3h41
